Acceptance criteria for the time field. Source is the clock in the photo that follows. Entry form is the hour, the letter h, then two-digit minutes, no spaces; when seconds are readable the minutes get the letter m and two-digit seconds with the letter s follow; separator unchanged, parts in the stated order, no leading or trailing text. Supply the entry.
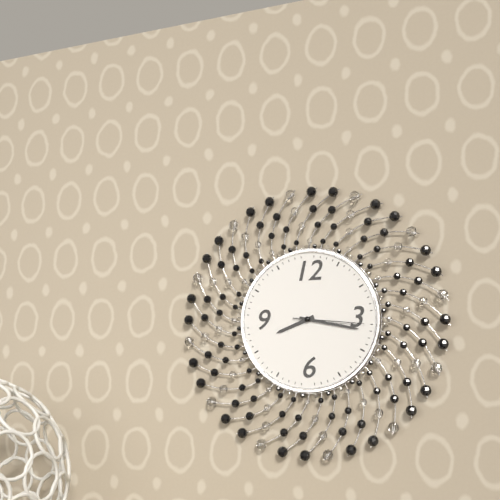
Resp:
8h17m16s
